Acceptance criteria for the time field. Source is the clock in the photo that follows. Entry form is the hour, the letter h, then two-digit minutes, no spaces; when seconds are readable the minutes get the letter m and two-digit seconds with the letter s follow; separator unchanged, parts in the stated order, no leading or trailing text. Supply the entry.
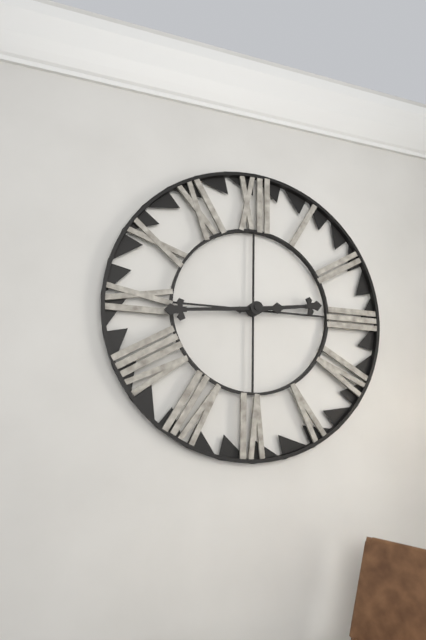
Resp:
2h44
